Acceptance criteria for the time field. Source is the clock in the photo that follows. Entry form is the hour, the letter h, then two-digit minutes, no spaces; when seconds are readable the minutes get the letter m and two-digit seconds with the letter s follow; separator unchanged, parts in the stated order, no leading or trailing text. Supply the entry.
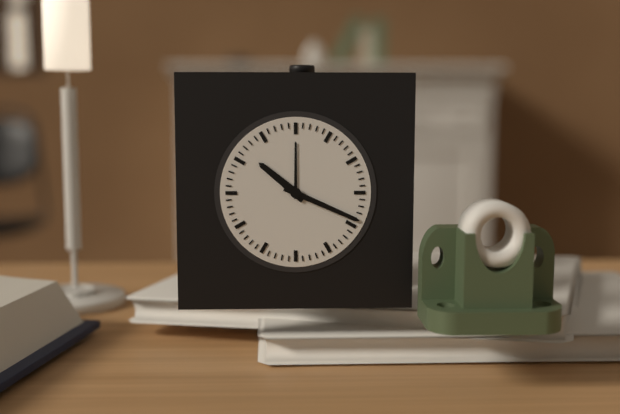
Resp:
10h19
